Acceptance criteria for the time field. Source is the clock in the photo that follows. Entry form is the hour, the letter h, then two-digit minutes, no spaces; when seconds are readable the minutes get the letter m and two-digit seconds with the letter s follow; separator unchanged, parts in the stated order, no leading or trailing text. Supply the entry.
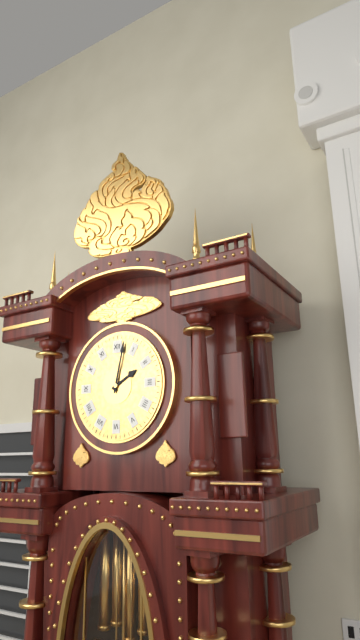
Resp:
2h02
